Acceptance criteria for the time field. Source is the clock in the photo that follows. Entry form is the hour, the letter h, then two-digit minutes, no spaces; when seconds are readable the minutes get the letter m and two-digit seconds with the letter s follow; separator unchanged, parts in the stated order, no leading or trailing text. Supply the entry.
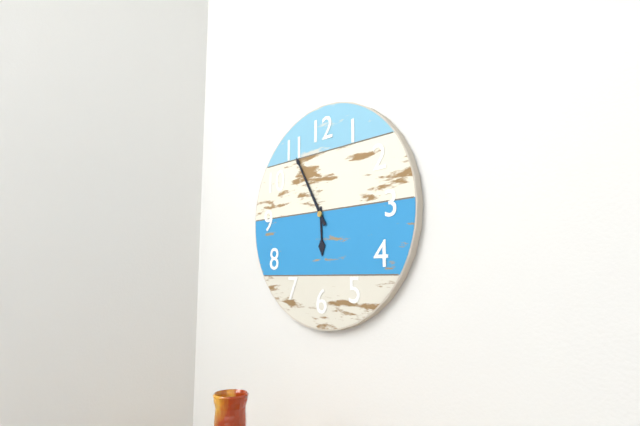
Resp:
5h55
